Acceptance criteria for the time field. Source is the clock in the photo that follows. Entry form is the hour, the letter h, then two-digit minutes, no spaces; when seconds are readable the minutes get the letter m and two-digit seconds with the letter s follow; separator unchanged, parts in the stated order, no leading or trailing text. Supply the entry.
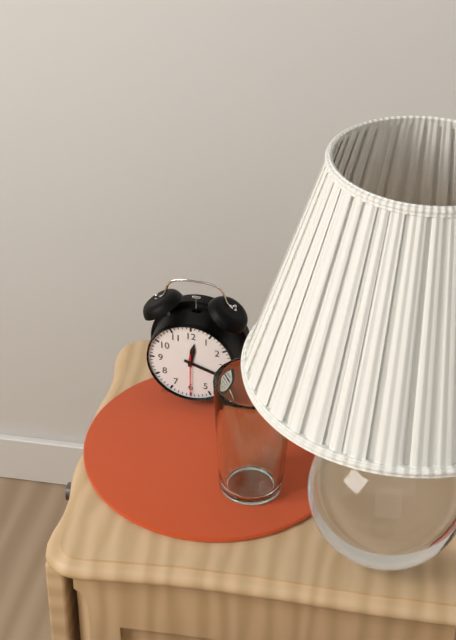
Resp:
12h18
